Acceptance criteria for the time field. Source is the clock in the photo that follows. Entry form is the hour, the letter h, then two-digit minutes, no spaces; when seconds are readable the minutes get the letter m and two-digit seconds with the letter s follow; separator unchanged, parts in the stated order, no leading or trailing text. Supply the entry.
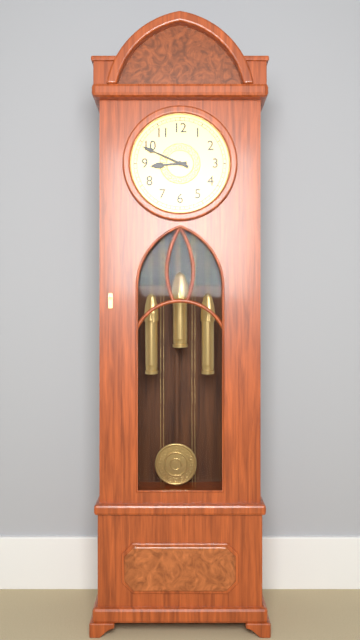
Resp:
8h49
